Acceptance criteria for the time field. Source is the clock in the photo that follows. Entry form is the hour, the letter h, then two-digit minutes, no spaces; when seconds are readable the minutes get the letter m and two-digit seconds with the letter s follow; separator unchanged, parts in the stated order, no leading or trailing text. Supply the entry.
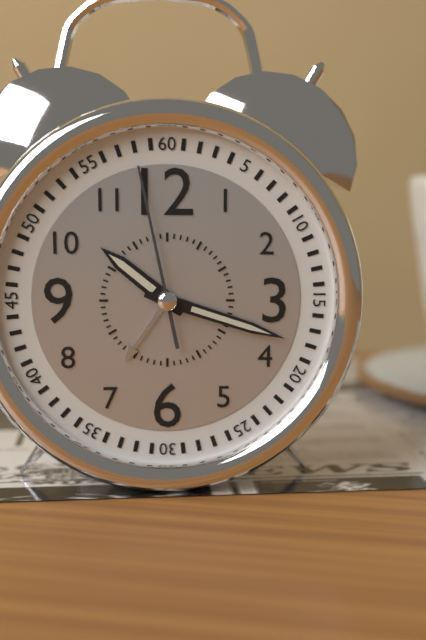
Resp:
10h18m58s
